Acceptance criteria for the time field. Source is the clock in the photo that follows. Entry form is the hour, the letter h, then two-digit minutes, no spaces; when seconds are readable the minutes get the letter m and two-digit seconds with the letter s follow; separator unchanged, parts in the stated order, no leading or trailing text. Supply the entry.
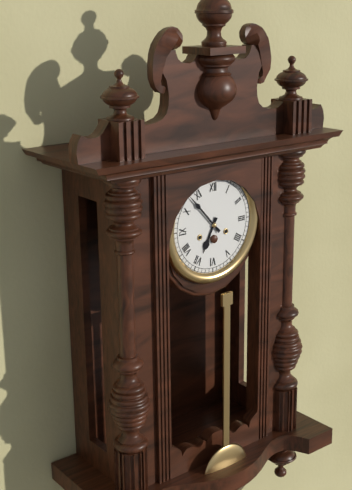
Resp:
6h53
